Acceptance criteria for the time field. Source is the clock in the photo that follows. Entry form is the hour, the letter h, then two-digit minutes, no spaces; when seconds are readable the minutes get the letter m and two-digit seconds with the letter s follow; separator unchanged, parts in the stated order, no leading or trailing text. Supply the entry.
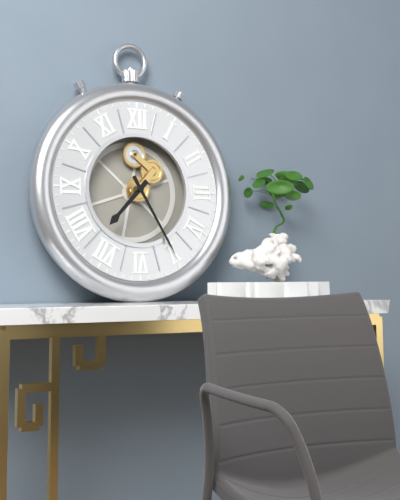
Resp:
7h25
